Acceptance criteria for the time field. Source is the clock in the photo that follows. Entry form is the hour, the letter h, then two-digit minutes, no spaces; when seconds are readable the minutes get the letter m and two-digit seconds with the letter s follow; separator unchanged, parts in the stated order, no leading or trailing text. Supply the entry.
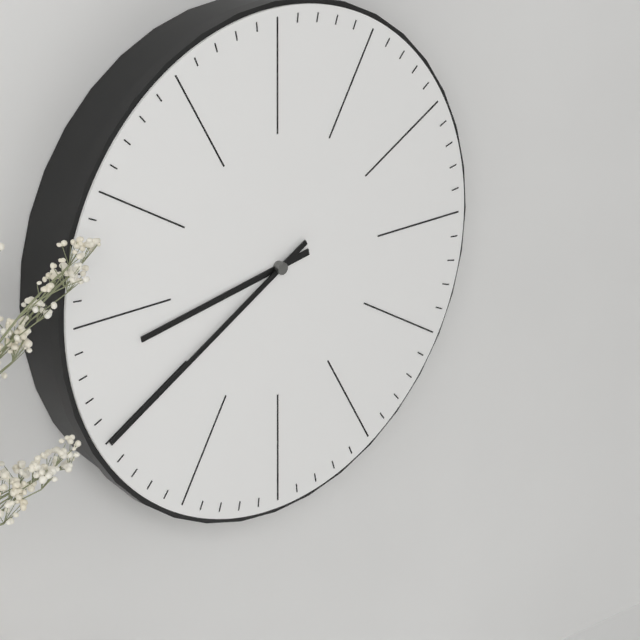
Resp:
8h40
